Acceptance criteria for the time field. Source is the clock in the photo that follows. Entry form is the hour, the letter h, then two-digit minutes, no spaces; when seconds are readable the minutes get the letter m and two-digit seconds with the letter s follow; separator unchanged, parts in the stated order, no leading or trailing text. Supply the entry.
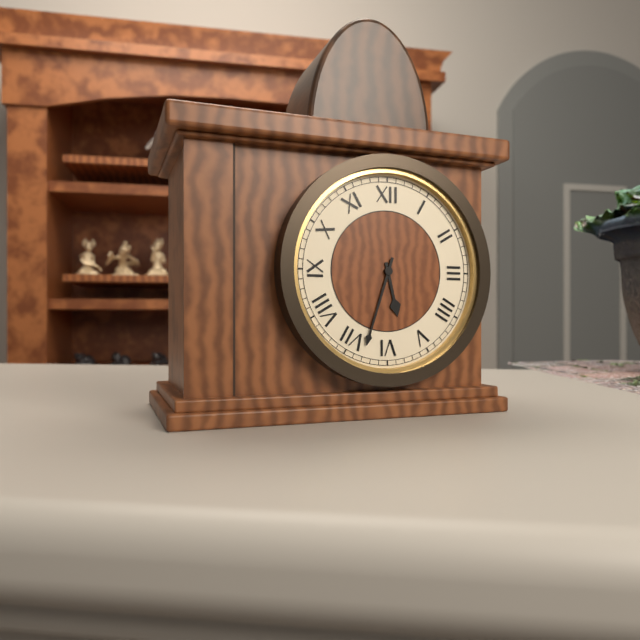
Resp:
5h33
